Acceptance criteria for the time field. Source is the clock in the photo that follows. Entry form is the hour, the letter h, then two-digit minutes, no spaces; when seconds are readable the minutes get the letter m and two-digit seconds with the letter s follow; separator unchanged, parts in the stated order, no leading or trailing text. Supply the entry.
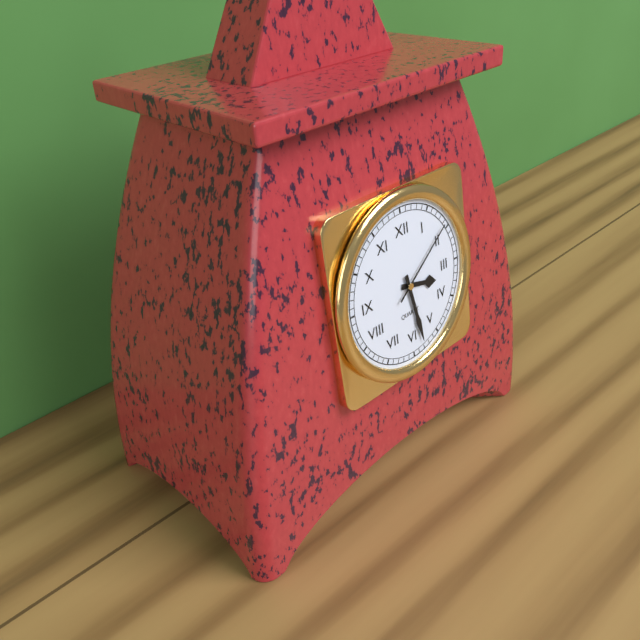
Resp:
3h28m09s
